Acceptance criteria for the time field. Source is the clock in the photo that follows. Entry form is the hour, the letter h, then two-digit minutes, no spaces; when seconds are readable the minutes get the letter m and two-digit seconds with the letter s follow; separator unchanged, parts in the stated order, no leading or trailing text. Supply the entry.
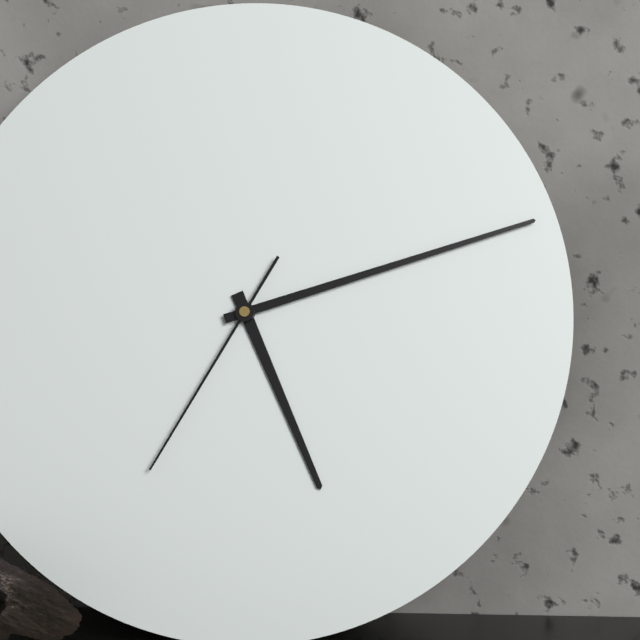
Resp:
5h12m35s
